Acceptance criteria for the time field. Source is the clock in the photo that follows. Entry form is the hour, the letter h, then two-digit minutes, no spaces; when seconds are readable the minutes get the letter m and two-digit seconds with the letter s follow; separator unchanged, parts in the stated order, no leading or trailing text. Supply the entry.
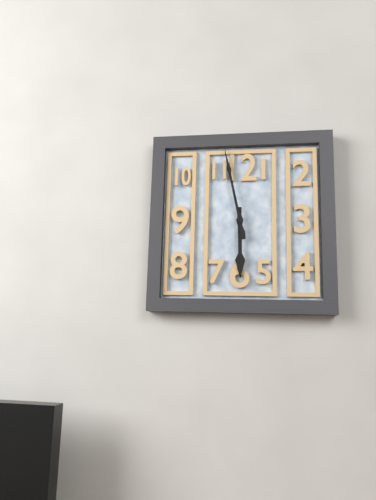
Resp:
5h58
